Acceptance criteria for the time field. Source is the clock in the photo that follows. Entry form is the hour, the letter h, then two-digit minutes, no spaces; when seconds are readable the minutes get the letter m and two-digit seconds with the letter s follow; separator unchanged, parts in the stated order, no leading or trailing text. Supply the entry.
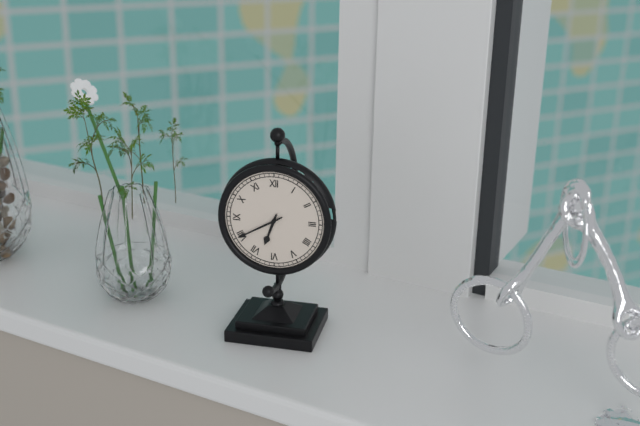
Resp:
6h40
